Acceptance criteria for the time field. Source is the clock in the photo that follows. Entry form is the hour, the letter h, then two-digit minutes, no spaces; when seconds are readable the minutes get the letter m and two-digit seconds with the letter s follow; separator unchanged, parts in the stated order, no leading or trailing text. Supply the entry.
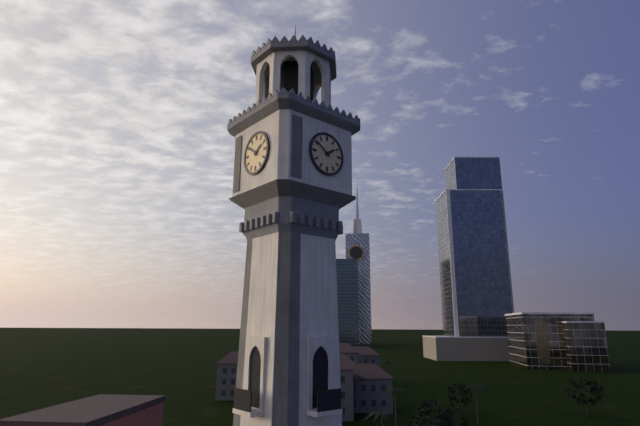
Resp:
1h51
